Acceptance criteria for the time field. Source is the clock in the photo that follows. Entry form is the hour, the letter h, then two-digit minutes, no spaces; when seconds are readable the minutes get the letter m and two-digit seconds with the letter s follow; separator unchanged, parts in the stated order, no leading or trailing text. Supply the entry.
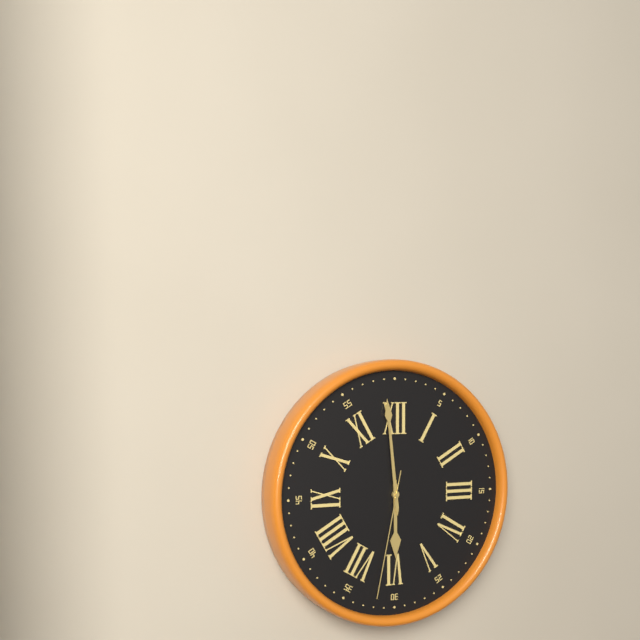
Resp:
5h59m32s
